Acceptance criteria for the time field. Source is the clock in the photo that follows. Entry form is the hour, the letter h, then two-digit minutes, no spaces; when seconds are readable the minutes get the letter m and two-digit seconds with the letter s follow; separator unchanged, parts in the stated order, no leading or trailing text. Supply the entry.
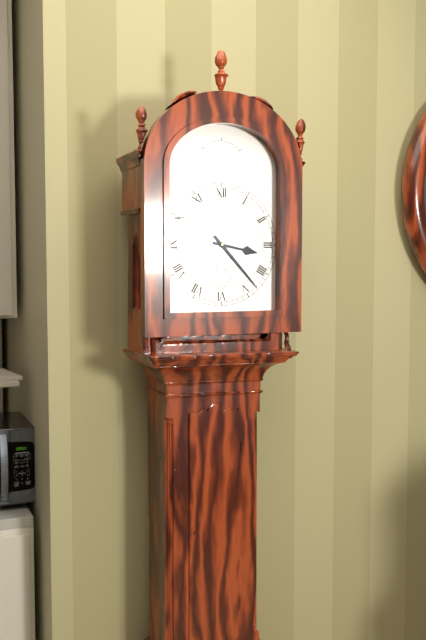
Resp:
3h23
